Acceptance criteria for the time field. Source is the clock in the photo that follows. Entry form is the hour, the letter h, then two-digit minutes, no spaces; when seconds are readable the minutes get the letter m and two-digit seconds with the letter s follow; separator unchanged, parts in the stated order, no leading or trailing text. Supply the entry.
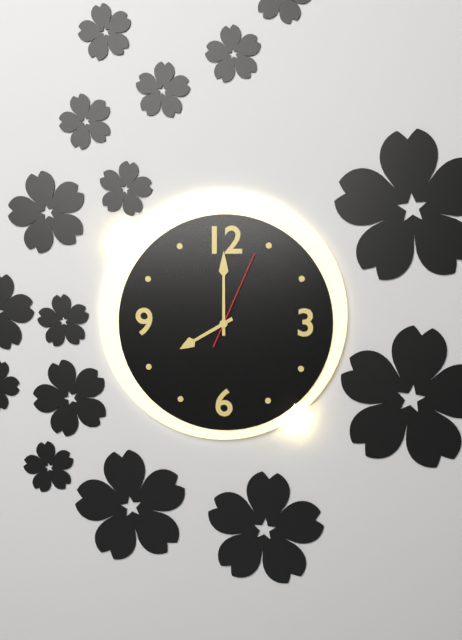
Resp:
8h00m04s
